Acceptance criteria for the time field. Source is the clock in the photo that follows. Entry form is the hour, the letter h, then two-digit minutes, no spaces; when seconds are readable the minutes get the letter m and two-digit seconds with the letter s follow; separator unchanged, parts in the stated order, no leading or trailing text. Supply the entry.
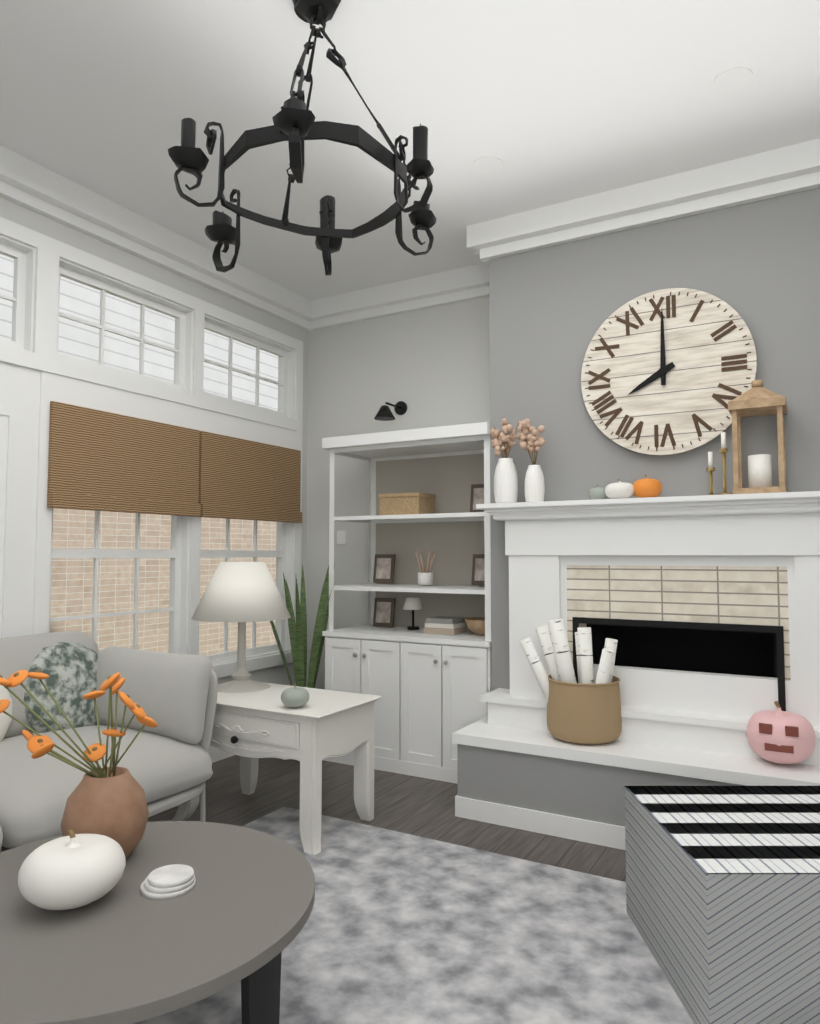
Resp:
8h00
